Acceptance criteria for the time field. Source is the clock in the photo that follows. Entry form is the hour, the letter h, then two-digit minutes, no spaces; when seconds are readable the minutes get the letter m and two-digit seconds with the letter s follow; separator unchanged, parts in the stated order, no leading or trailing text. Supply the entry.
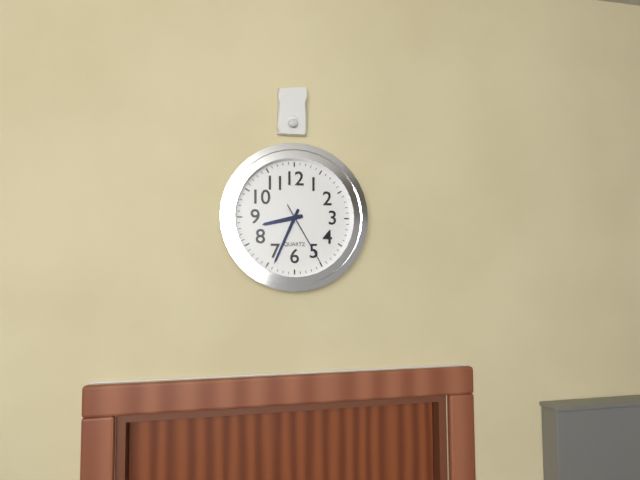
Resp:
8h34m25s
